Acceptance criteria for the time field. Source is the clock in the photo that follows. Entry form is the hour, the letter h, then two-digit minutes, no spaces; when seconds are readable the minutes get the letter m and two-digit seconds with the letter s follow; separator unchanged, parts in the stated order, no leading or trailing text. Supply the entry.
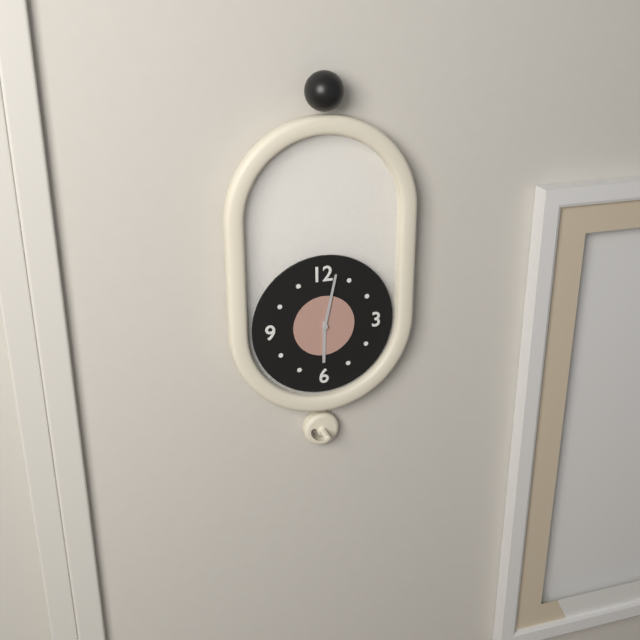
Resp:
6h02
